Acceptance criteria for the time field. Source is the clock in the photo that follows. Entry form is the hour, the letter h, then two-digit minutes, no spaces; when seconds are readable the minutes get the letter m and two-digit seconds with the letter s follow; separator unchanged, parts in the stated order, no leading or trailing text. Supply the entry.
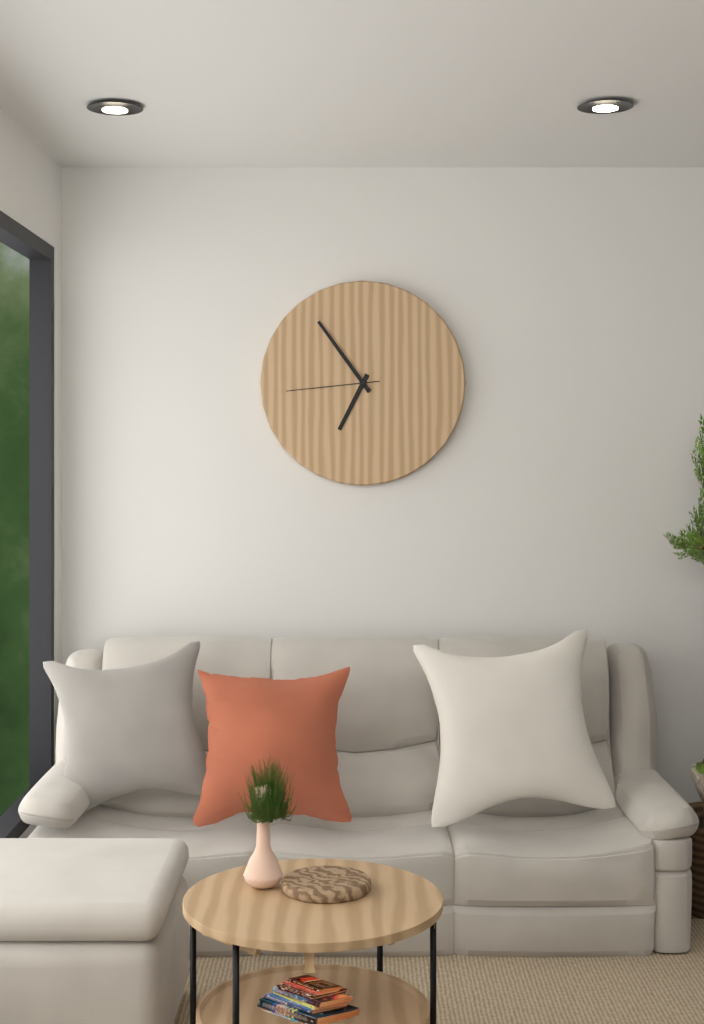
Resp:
6h54m44s
